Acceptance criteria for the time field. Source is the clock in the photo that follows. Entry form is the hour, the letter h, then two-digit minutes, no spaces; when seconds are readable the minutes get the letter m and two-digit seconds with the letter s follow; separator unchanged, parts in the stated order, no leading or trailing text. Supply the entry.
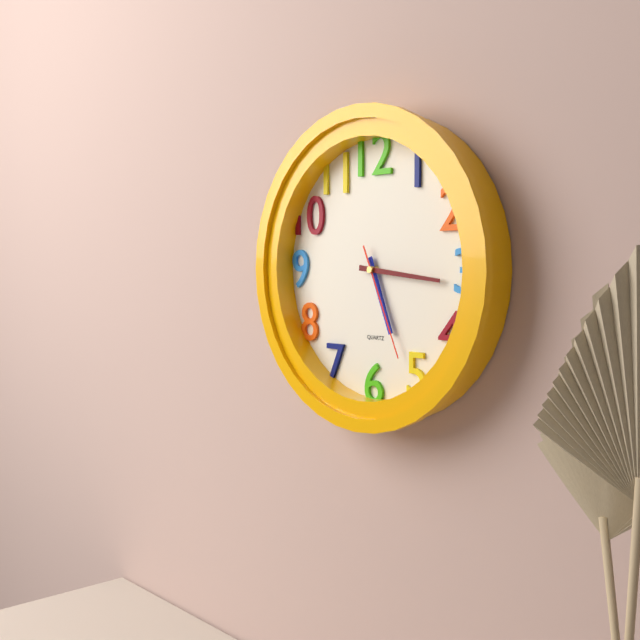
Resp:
5h16m26s
